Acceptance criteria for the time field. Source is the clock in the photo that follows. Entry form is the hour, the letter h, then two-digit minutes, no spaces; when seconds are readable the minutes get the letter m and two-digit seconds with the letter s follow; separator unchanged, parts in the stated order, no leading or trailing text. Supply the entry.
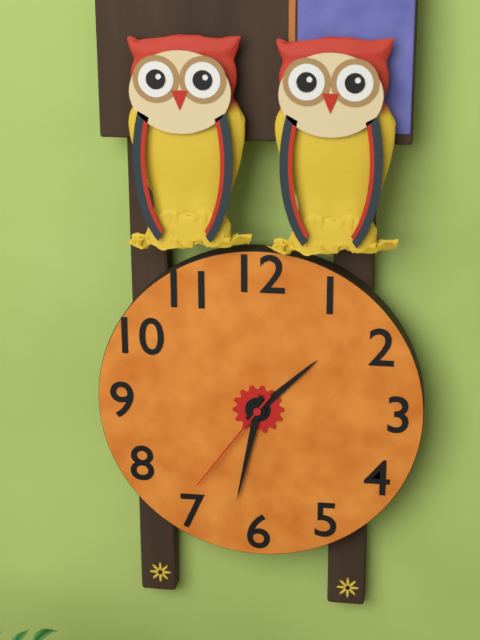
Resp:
1h32m36s
